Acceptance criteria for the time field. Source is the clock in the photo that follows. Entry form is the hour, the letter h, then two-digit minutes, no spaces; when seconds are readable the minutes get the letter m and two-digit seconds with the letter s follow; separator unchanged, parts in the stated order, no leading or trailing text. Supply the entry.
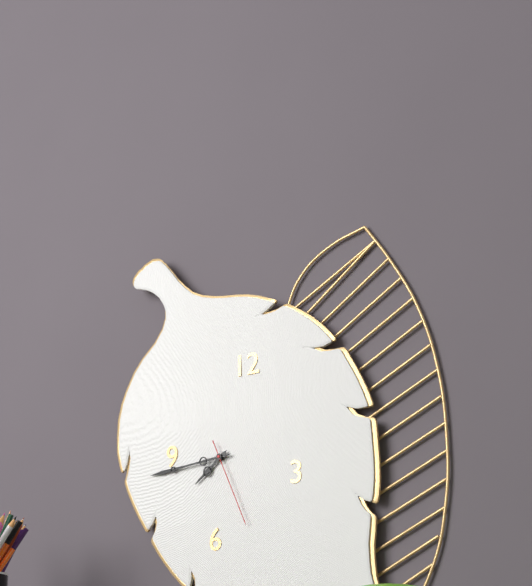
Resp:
7h44m26s
